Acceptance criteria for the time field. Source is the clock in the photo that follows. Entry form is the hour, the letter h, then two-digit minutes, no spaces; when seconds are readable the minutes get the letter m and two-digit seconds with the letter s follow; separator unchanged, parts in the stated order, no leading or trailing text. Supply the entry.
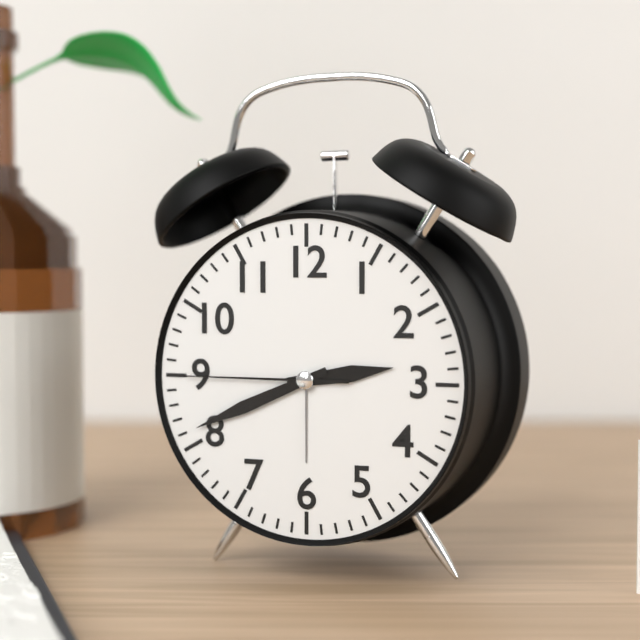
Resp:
2h41m45s
